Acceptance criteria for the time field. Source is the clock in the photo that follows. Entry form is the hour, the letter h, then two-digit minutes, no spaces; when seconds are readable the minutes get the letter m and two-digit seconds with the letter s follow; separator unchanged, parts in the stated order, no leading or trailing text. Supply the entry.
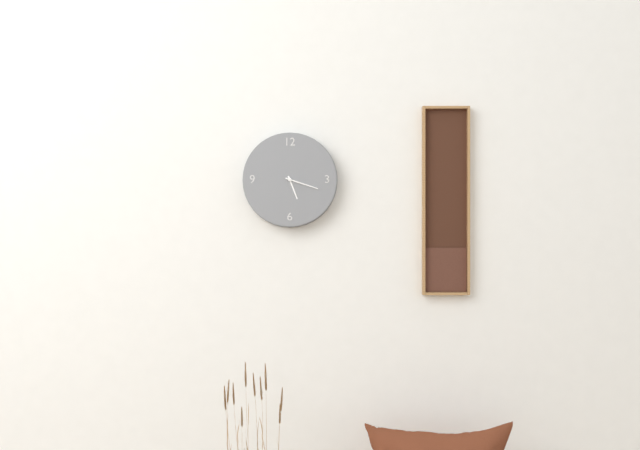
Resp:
5h18
